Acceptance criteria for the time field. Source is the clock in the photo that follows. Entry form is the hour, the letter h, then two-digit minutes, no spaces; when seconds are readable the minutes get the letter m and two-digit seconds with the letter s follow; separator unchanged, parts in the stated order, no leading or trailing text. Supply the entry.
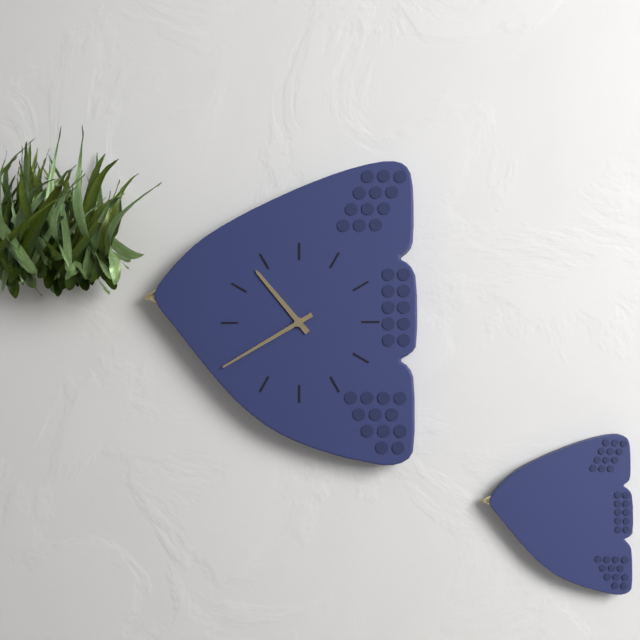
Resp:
10h40
